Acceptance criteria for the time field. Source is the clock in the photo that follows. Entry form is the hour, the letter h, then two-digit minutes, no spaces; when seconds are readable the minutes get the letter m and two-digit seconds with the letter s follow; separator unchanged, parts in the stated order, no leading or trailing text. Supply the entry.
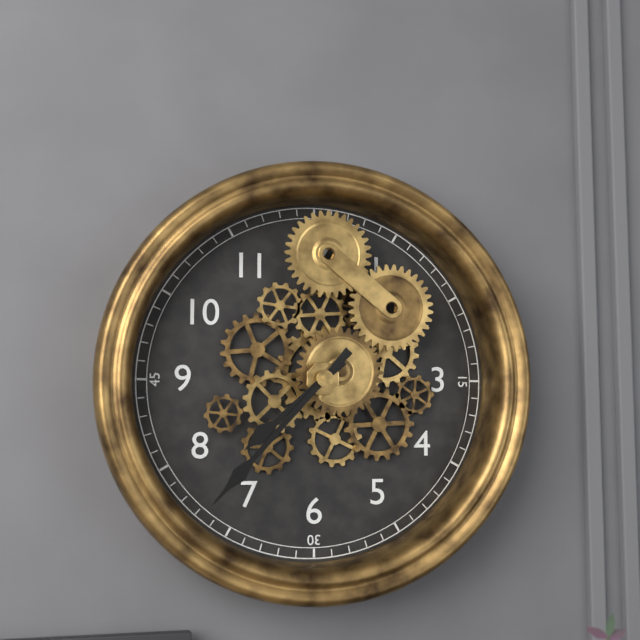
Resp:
7h37
